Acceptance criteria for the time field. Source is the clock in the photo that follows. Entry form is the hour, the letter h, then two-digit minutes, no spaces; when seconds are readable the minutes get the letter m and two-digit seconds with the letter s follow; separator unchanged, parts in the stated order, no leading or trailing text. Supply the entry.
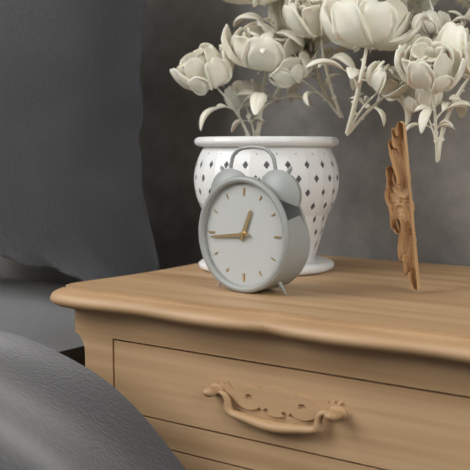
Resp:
12h44
